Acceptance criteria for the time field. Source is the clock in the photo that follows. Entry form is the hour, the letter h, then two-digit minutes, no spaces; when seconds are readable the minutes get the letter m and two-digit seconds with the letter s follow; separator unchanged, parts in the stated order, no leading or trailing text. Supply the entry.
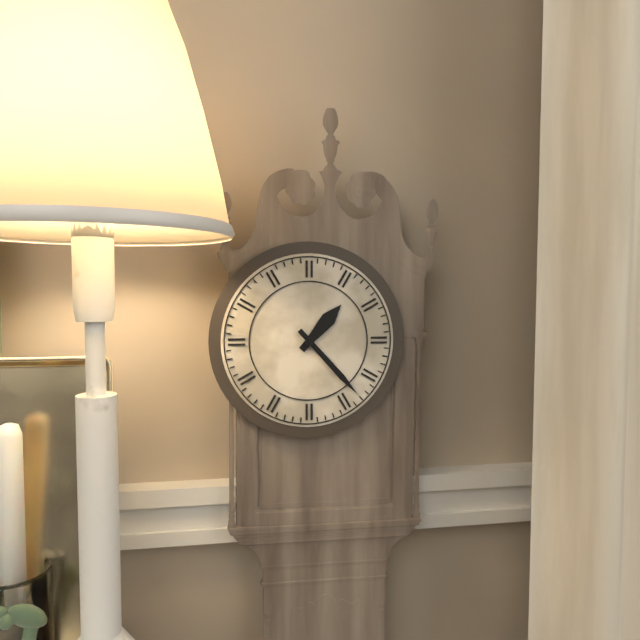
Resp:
1h23
